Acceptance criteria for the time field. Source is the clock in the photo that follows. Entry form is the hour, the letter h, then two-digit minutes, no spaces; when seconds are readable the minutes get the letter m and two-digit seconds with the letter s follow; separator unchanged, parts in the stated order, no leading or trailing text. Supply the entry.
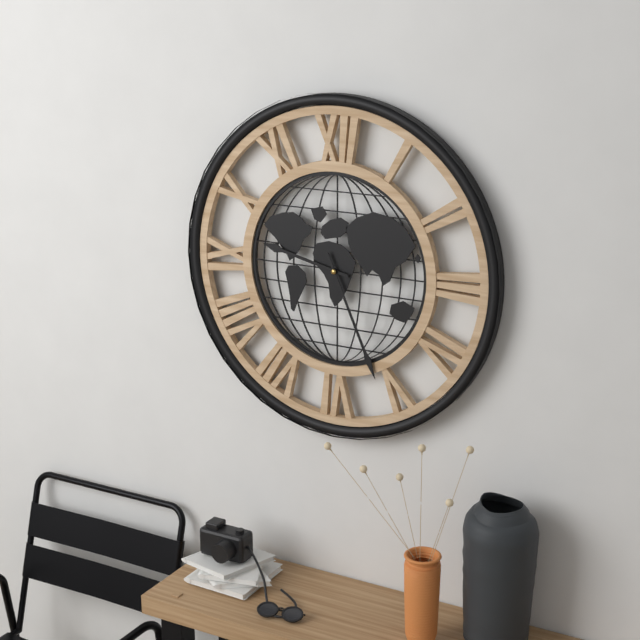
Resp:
9h26
